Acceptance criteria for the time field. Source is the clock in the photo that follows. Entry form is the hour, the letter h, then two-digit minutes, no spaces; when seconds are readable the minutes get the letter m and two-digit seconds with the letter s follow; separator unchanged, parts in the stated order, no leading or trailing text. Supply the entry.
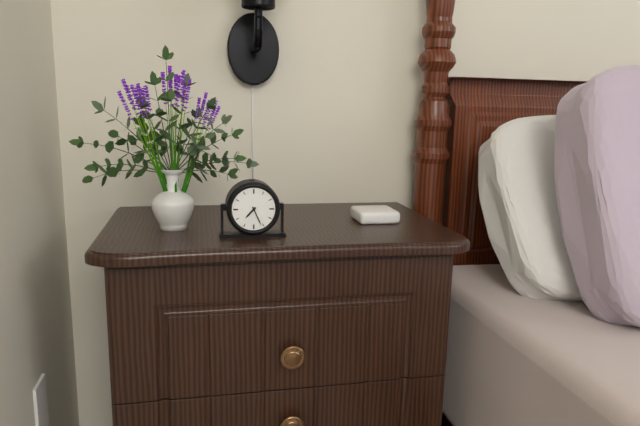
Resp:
7h26
